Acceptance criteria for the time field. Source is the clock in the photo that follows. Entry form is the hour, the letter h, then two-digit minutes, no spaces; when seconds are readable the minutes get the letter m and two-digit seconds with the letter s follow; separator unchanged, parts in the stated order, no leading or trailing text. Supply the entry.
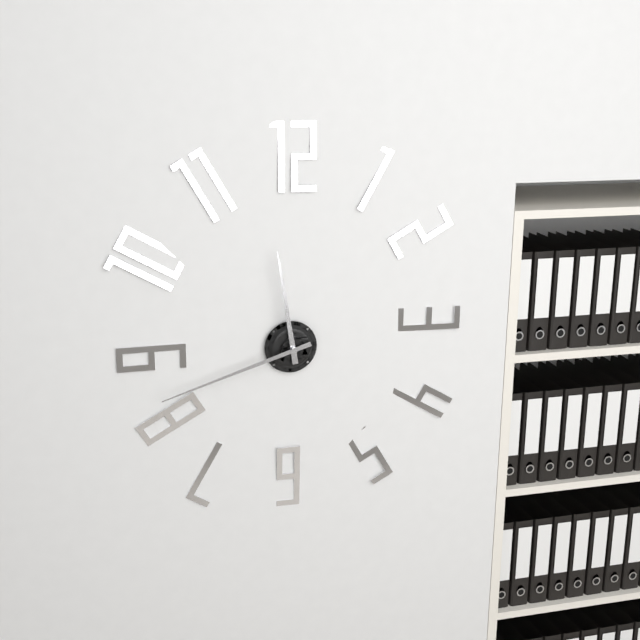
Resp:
11h42
